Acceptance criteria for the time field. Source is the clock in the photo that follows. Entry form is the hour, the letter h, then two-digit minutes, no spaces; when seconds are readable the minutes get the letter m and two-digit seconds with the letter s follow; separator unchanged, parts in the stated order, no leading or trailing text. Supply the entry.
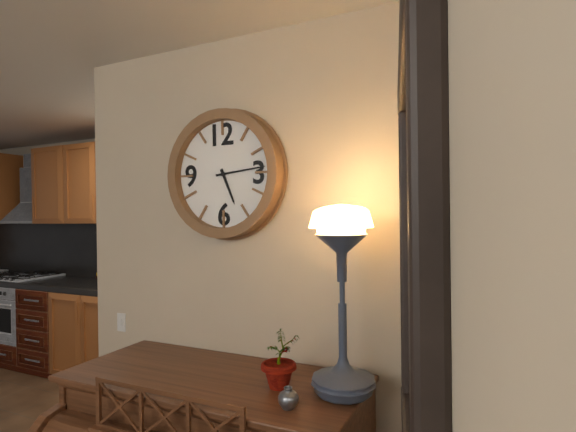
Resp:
5h14
